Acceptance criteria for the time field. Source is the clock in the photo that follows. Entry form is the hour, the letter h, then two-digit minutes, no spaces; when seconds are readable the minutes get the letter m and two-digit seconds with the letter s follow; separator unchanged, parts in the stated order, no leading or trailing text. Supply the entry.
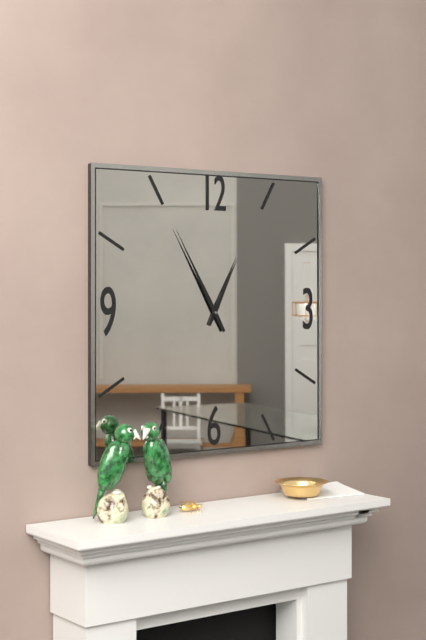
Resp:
12h55
